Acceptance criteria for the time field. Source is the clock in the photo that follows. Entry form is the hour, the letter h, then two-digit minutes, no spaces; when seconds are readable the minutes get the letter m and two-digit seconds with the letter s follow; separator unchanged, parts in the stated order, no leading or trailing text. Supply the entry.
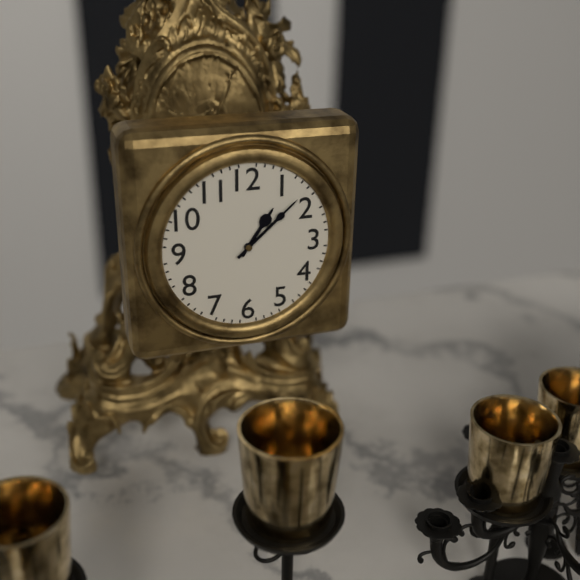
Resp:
1h08
